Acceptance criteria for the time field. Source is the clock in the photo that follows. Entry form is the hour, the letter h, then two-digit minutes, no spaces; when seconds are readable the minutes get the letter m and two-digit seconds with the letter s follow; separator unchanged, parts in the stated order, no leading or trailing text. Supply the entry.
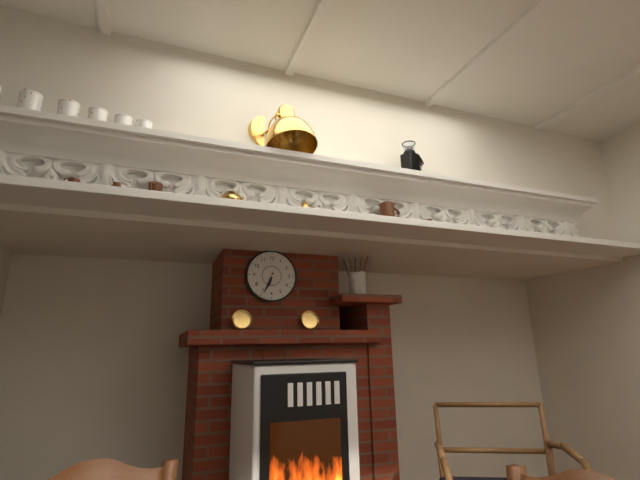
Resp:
6h34
